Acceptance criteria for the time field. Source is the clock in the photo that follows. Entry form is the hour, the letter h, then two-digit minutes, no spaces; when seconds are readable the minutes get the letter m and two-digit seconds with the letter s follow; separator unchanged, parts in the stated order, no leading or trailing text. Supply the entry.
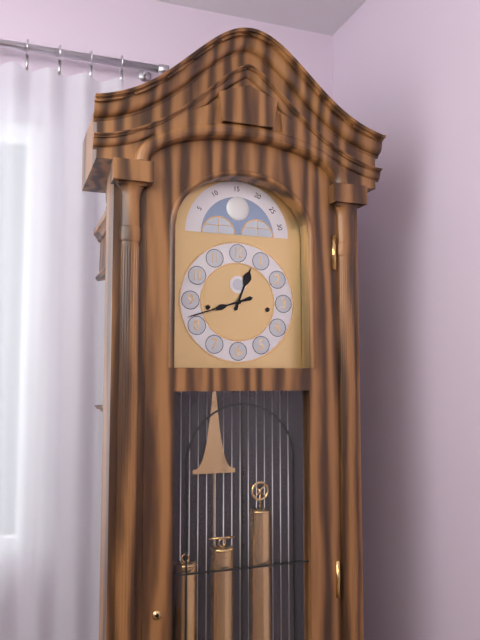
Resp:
12h42
